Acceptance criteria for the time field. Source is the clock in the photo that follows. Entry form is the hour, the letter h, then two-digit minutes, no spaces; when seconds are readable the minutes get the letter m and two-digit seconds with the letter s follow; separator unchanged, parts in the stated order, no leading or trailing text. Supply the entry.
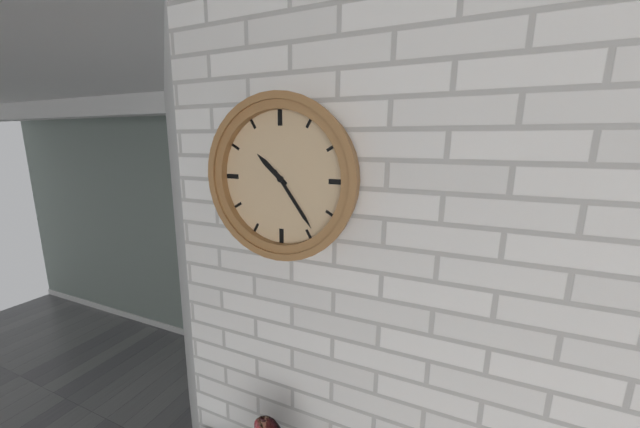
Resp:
10h24
